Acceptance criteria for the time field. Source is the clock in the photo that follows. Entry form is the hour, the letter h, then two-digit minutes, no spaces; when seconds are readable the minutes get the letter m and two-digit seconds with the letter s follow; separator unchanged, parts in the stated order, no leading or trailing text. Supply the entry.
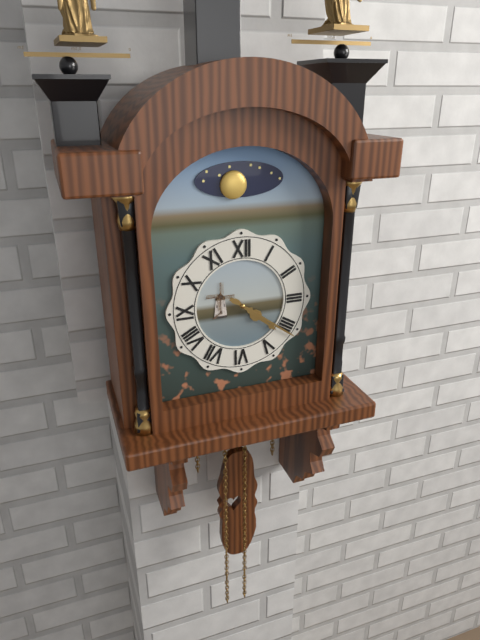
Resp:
4h21
